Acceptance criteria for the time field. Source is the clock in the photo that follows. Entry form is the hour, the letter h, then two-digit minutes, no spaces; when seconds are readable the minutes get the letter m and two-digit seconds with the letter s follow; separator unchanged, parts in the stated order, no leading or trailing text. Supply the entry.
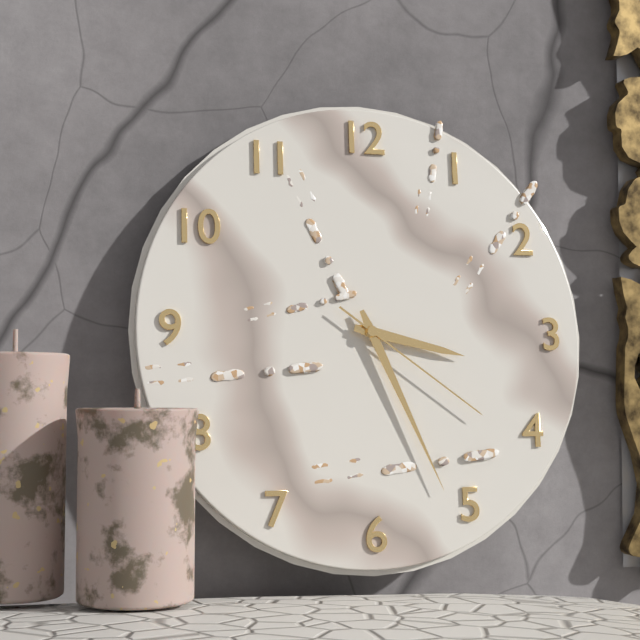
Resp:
3h26m21s
